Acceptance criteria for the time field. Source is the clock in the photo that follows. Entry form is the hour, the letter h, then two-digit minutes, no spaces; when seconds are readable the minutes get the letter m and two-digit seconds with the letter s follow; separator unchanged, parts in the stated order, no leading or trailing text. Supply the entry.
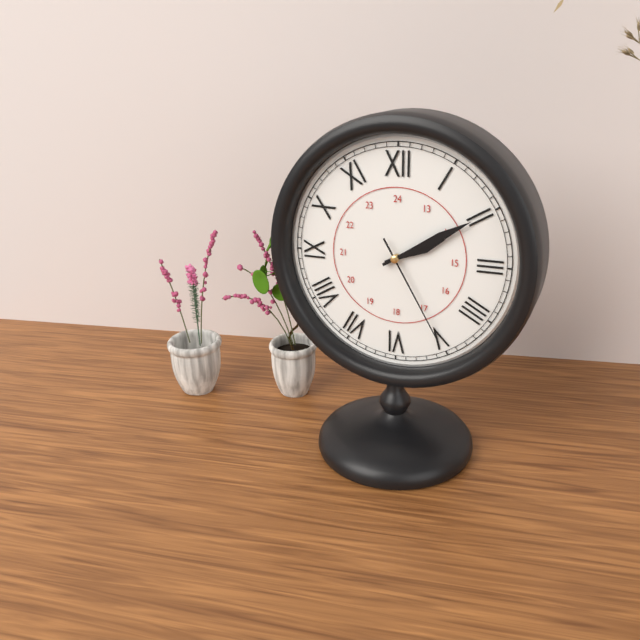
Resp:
2h10m25s
